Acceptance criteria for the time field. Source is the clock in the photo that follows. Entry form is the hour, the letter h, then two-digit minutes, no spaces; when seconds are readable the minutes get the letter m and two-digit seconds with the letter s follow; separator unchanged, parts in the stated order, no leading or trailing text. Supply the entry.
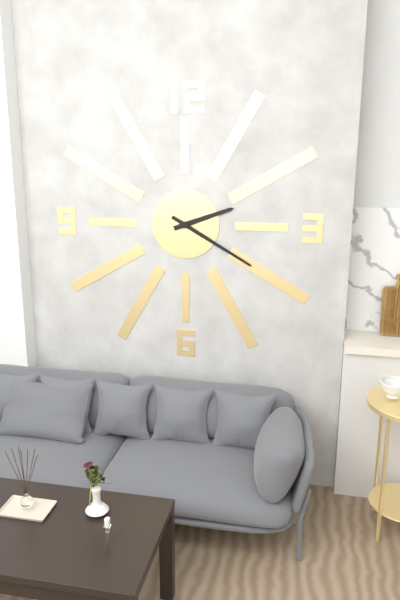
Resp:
2h20
